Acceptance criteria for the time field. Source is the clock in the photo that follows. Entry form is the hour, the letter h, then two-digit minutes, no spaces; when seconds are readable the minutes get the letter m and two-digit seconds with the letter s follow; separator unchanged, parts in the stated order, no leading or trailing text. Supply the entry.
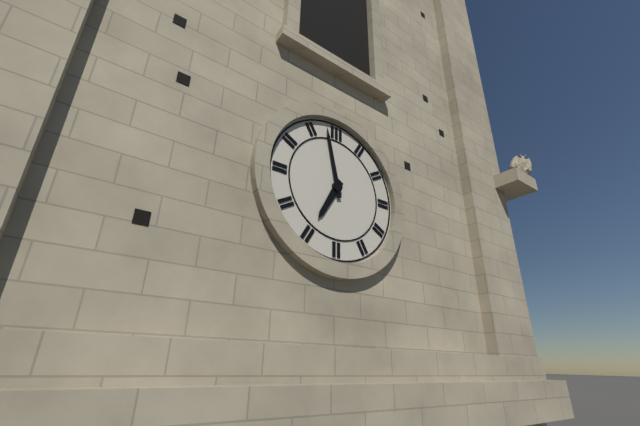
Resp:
6h58
